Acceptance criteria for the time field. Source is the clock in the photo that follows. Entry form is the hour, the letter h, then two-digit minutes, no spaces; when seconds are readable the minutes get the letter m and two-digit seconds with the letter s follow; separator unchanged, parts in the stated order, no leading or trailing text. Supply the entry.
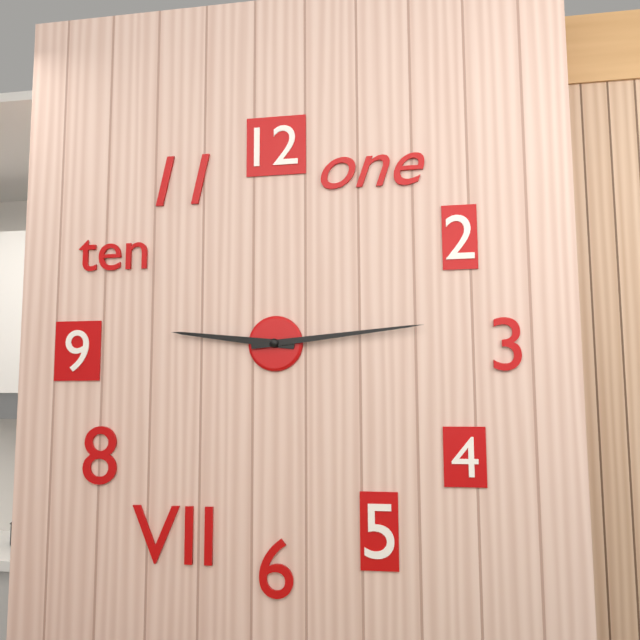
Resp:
9h14
